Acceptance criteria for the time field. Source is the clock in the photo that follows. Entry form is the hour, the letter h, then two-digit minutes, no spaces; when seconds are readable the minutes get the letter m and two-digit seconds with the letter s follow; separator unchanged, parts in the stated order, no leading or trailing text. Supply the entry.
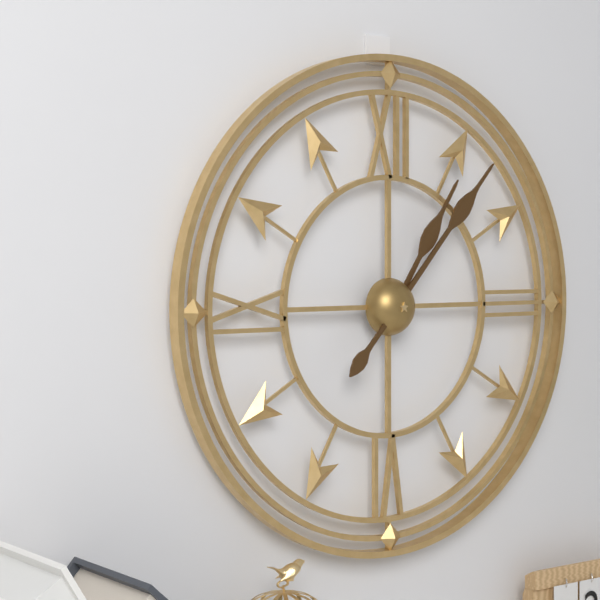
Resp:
1h07
